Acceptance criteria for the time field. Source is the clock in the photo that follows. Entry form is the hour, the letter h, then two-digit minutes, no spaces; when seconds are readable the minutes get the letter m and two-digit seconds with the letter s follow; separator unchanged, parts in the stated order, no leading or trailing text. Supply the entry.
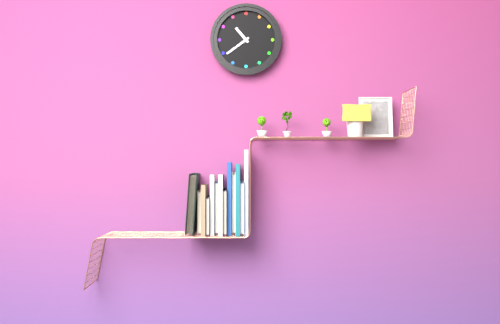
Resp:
10h39
